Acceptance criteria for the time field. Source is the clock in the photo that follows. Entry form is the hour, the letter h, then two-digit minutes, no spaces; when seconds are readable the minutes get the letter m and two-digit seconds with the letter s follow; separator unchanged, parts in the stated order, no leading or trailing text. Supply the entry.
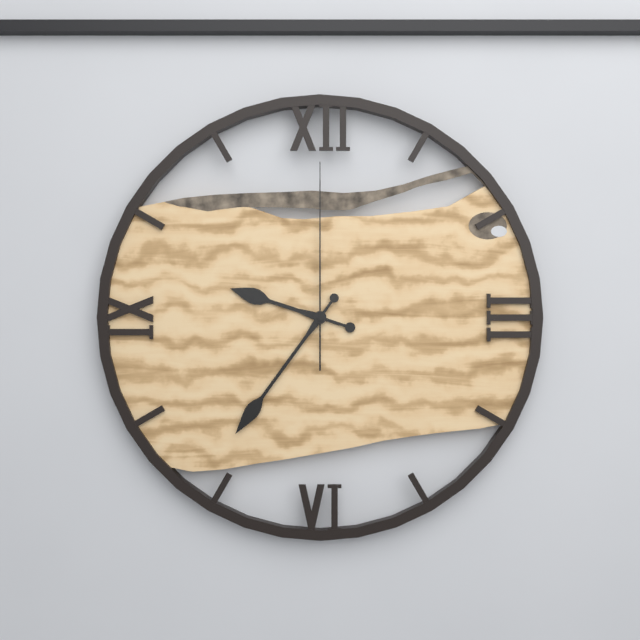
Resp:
9h36m00s
